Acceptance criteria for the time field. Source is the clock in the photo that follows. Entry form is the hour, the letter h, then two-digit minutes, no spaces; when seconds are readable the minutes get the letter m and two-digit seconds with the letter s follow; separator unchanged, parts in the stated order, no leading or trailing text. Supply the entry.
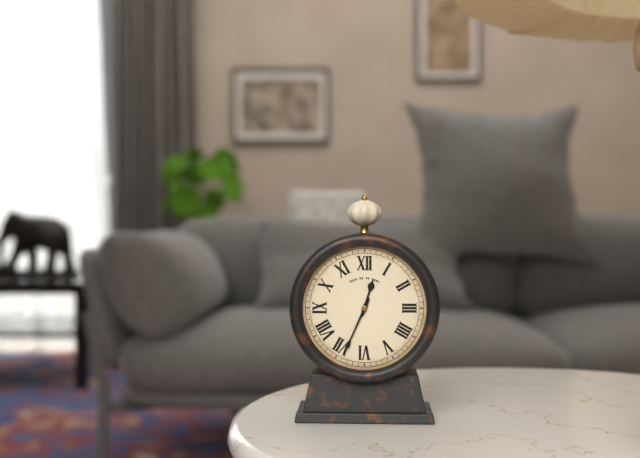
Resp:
12h34
